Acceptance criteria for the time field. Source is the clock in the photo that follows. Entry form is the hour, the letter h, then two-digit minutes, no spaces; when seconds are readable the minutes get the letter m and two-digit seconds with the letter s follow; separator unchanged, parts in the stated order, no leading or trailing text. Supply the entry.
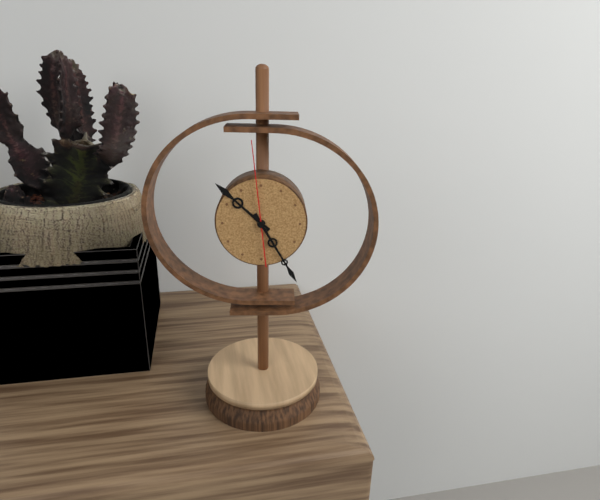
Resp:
10h25m59s
